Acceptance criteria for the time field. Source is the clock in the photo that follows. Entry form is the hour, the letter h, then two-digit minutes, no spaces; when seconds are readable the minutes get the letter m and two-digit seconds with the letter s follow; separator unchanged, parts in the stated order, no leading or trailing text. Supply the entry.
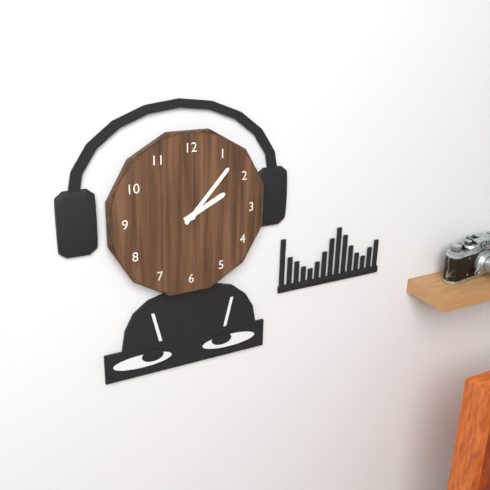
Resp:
2h07
